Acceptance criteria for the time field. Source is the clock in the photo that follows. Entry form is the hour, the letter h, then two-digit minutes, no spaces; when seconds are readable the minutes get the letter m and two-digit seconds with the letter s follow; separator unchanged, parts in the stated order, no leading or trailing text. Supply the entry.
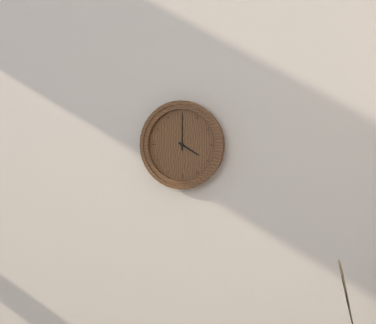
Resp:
4h00
